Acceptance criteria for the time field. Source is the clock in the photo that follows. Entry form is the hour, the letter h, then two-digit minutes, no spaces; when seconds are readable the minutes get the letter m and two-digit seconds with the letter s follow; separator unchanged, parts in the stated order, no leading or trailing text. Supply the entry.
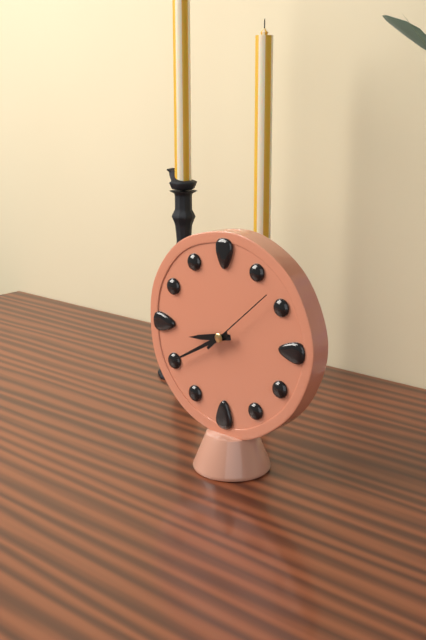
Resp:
8h40m08s
